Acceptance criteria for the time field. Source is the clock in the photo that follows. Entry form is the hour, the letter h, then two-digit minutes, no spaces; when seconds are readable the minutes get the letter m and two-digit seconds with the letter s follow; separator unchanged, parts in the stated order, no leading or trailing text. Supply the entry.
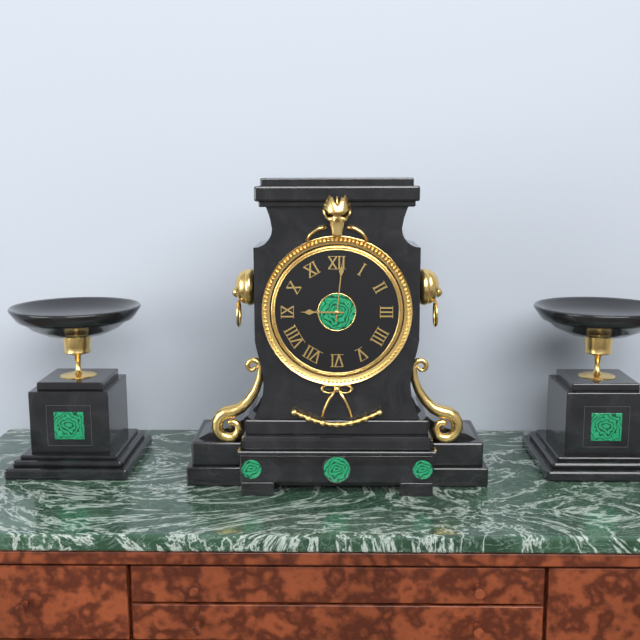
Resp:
9h01
